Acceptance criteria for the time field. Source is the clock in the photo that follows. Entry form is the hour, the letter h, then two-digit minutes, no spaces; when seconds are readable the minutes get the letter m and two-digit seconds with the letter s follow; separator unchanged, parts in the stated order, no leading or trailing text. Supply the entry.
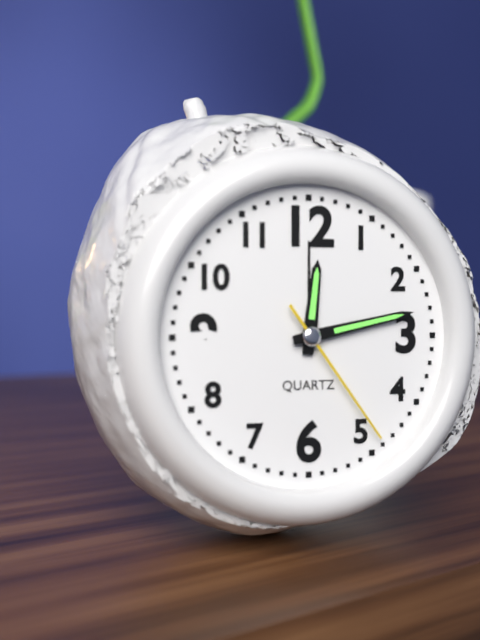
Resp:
12h13m24s
